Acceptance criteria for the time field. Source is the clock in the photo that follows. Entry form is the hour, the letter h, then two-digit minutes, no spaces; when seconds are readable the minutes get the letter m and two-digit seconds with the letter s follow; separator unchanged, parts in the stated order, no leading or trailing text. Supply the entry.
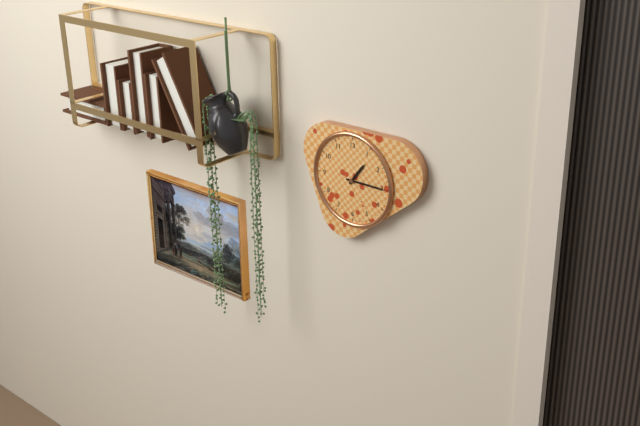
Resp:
1h15
